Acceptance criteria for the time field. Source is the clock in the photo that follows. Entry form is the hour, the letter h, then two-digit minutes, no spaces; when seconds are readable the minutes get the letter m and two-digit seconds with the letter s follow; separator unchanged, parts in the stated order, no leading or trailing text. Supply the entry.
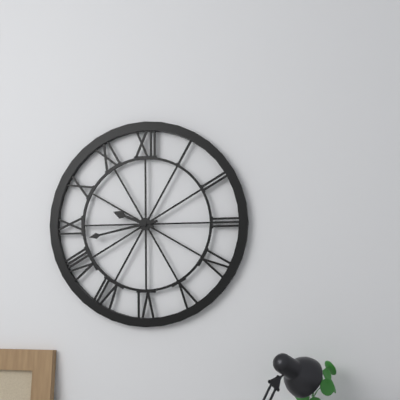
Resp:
9h43
